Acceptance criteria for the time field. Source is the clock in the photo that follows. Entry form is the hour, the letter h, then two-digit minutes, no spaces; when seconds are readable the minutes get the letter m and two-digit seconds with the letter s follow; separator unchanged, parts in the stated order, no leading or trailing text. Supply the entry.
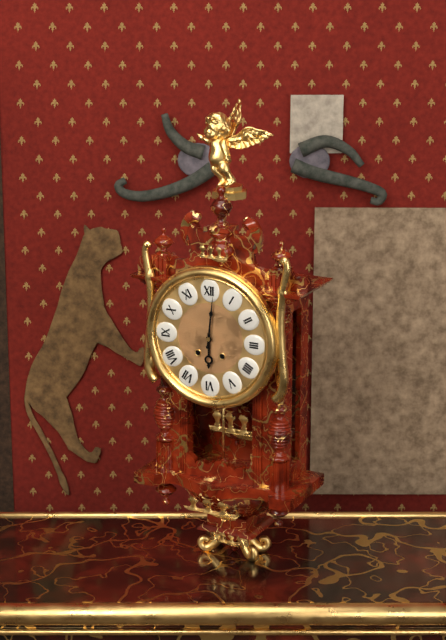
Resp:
6h01
